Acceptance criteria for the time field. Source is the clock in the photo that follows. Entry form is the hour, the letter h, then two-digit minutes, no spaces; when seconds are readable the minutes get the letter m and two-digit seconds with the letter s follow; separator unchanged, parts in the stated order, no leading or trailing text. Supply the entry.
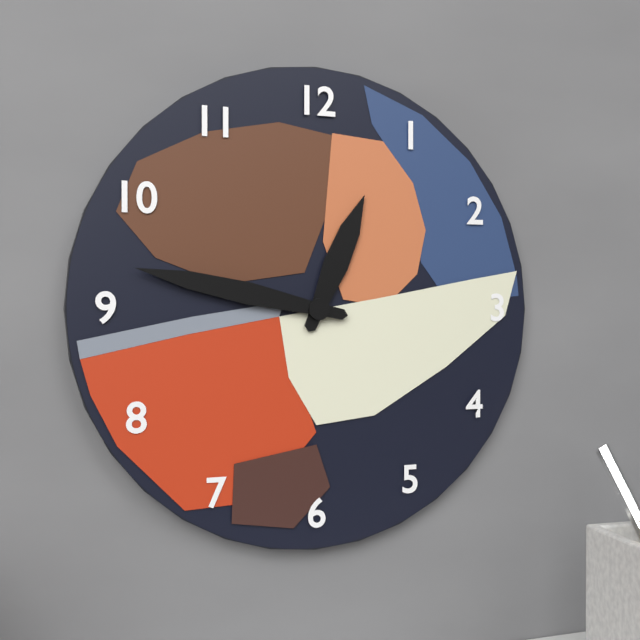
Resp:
12h47
